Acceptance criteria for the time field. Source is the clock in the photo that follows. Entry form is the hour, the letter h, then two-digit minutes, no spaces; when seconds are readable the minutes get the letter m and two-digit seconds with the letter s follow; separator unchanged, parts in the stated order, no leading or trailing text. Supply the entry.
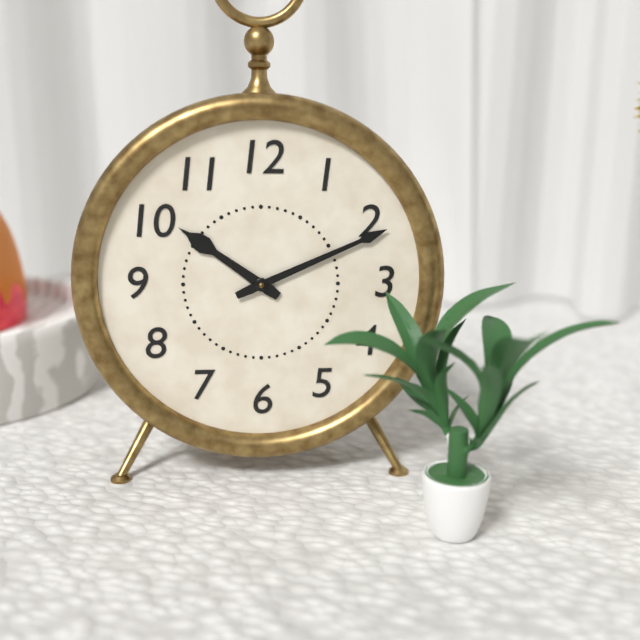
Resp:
10h11
